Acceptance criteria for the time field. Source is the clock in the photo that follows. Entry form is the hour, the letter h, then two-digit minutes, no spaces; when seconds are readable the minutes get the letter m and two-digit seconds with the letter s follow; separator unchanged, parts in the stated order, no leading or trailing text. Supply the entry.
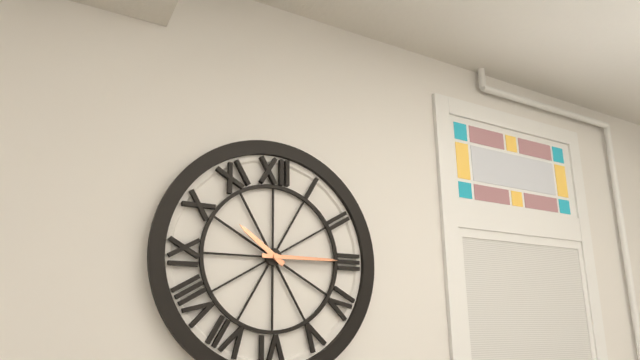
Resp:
10h15
